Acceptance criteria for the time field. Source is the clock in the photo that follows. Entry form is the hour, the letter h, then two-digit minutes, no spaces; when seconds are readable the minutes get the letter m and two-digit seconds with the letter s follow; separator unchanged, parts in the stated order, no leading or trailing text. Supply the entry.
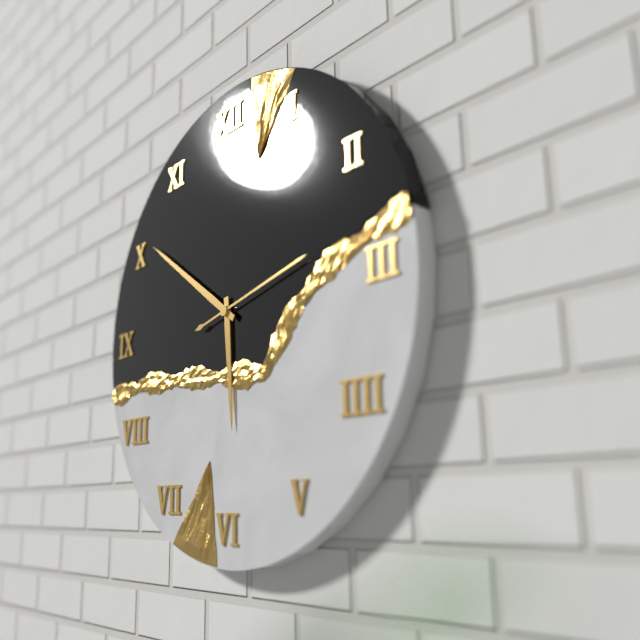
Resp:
5h51m13s
